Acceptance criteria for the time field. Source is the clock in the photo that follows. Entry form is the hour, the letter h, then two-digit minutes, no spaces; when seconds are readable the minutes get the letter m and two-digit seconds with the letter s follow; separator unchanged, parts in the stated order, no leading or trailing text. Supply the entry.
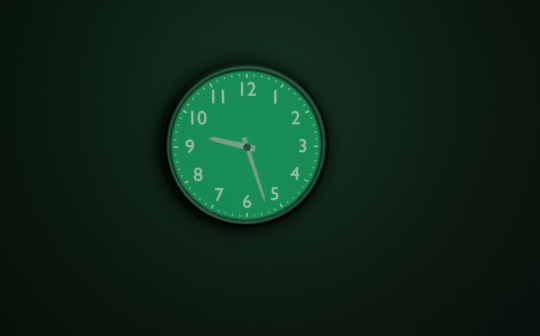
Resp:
9h27
